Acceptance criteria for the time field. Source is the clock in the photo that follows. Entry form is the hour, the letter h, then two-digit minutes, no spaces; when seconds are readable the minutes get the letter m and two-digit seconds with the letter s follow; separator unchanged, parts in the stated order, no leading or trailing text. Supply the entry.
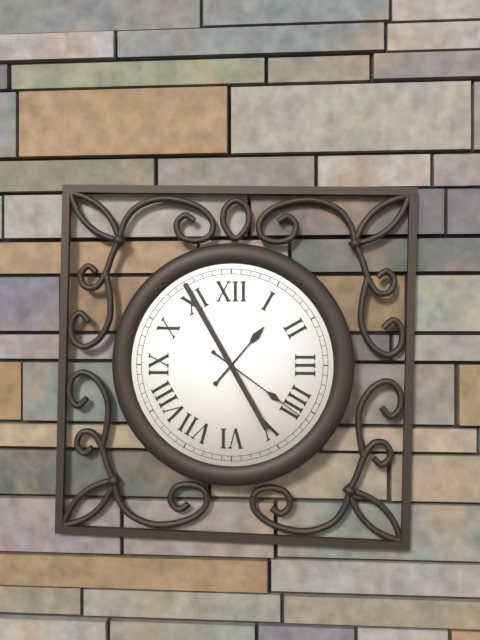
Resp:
1h21
